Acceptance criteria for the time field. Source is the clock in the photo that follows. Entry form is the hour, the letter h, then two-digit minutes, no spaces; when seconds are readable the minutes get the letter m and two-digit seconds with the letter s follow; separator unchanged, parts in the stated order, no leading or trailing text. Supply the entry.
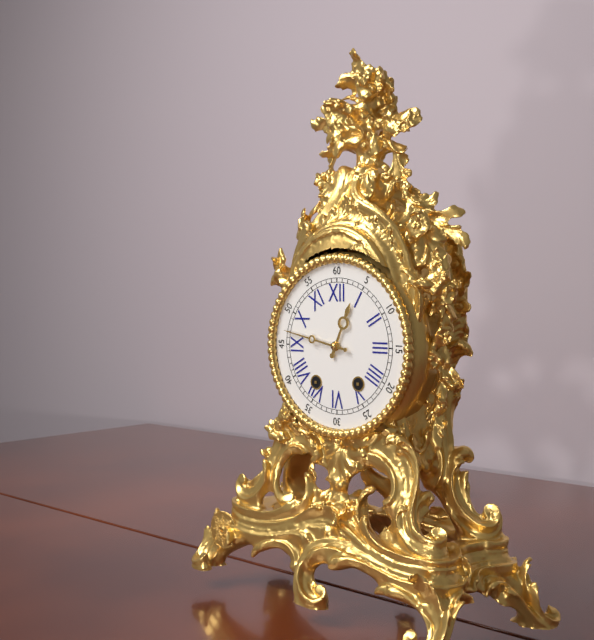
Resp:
12h47
